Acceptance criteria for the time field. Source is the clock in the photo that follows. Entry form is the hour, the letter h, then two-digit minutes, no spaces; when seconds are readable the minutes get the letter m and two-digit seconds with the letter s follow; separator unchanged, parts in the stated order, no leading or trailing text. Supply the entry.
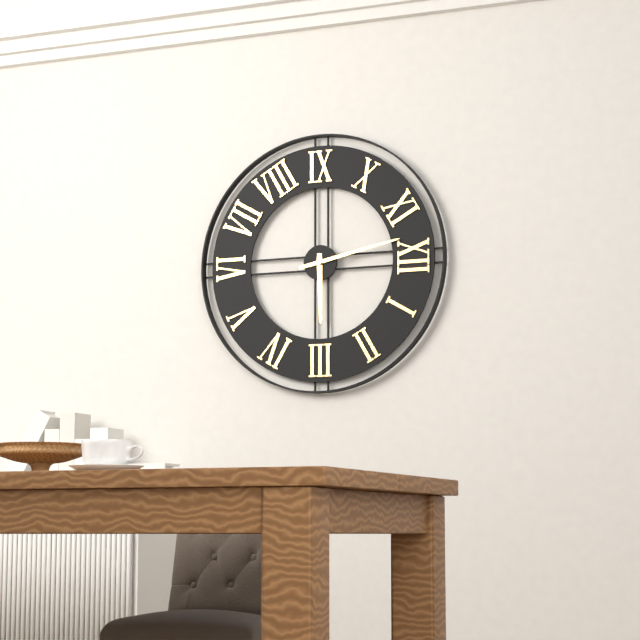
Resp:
2h58
